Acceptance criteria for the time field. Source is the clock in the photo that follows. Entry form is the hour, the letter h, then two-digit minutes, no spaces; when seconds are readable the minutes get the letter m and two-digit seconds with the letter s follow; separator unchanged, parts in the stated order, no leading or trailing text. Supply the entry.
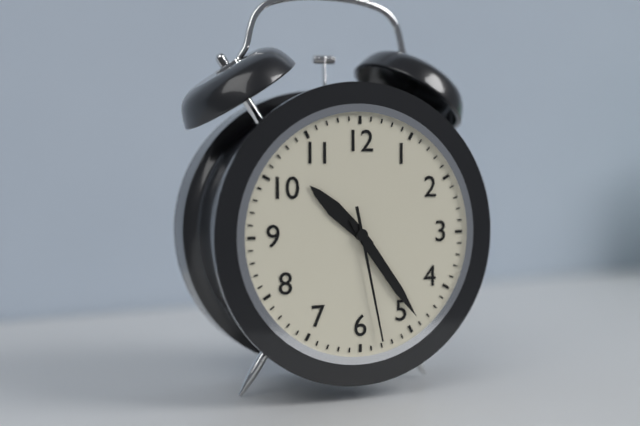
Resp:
10h24m28s
